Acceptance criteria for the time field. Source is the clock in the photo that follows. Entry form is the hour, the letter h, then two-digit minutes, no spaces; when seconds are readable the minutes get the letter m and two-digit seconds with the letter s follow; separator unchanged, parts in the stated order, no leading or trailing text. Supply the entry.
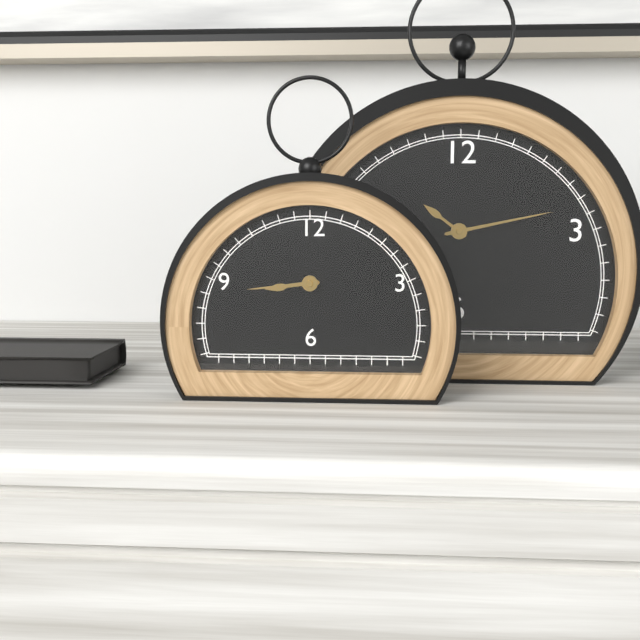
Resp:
8h44
